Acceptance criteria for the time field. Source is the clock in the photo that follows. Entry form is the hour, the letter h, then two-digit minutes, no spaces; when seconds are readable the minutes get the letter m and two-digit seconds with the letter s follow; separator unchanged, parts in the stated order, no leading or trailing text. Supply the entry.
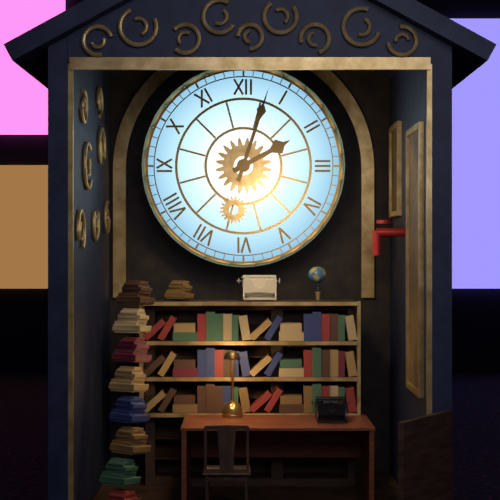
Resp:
2h03
